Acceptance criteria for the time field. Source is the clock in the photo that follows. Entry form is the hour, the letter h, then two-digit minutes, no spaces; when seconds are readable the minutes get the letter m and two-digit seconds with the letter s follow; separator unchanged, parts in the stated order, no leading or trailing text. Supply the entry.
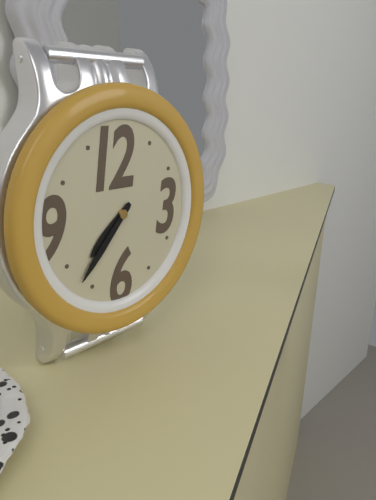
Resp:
7h37
